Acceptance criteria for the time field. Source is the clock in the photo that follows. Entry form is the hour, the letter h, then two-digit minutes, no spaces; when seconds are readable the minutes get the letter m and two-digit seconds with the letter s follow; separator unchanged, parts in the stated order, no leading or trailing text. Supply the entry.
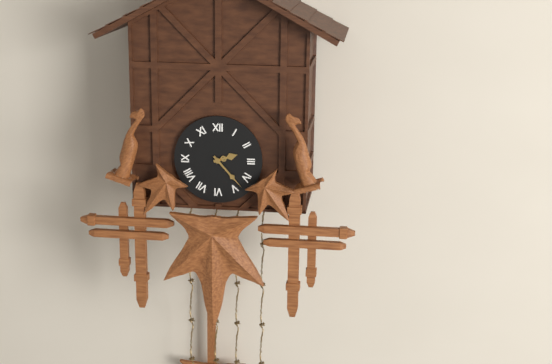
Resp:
2h23
